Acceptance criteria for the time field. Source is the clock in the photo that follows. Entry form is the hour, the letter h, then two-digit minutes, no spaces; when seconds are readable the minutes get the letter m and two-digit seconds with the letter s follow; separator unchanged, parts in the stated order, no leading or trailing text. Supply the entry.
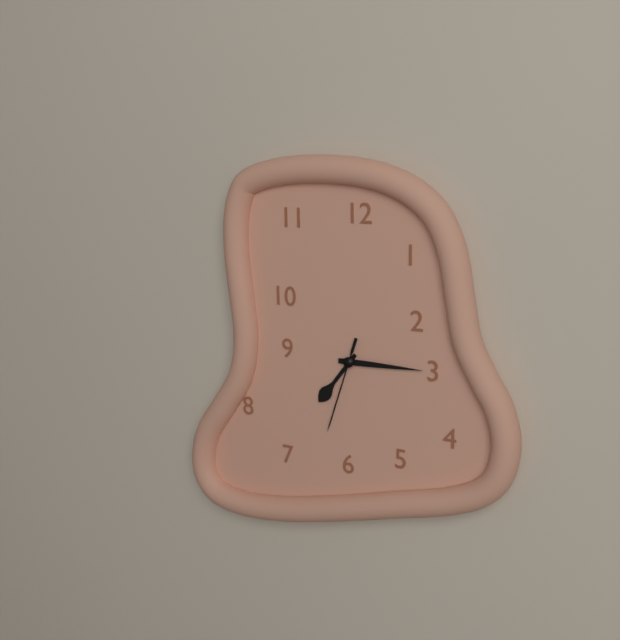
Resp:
7h15m33s
